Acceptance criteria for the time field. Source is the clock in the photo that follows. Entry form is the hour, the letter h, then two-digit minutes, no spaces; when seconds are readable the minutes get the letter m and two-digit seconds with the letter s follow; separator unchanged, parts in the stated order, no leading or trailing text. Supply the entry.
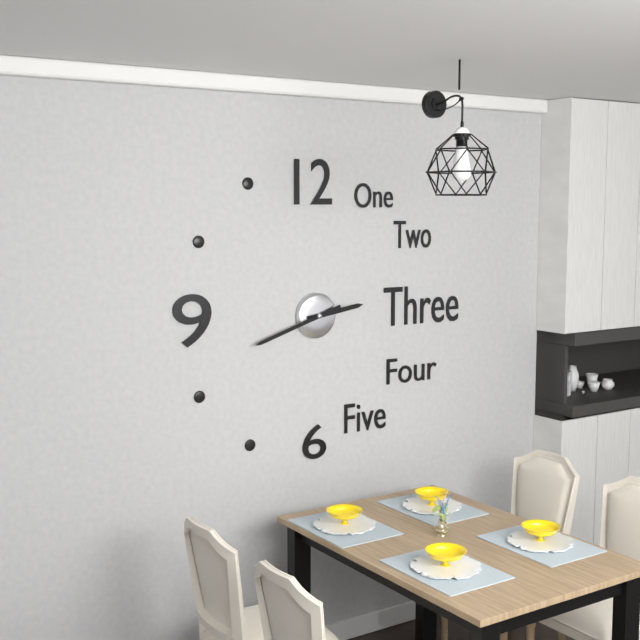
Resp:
2h42
